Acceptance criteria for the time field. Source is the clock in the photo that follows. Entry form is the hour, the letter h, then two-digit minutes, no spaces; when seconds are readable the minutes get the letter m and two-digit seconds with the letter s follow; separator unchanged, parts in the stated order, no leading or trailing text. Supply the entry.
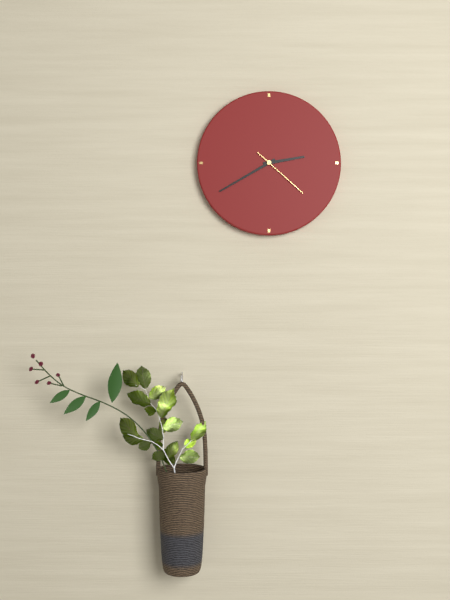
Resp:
2h40m22s
